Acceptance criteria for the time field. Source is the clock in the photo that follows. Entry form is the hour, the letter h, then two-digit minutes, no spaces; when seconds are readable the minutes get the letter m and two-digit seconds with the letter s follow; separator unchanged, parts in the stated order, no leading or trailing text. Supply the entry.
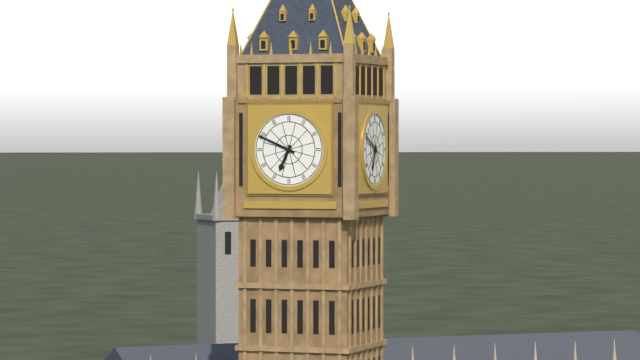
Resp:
6h49
